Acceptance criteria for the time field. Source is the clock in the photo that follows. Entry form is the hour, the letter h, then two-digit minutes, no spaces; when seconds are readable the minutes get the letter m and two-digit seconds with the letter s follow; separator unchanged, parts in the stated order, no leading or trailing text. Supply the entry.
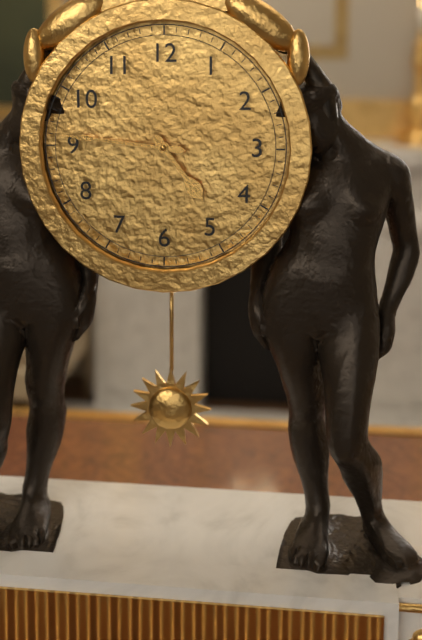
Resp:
4h46
